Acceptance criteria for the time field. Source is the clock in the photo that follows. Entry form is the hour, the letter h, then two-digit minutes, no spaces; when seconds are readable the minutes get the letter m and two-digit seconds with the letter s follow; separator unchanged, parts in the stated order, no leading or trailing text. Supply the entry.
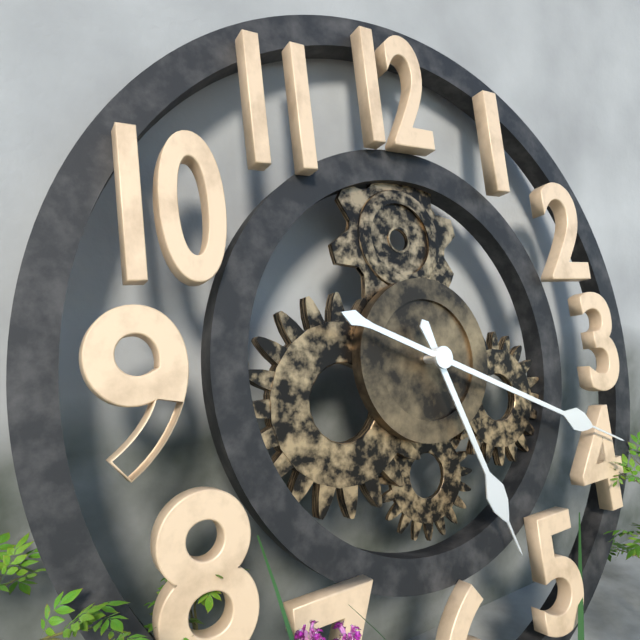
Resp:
5h19
